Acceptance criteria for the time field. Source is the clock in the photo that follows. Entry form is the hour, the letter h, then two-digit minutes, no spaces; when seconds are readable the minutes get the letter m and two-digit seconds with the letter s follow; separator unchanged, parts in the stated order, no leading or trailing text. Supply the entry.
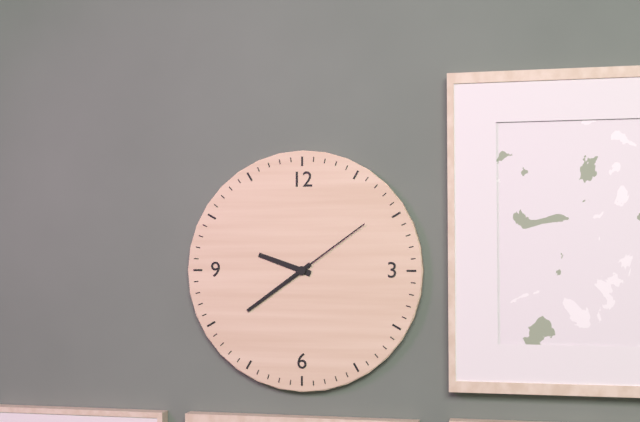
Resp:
9h39m09s
